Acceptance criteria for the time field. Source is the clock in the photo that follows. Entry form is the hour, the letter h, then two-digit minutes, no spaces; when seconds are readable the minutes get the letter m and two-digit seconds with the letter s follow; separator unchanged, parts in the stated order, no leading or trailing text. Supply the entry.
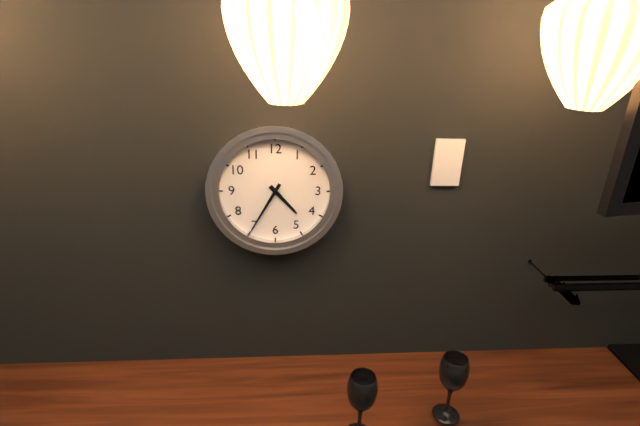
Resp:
4h35
